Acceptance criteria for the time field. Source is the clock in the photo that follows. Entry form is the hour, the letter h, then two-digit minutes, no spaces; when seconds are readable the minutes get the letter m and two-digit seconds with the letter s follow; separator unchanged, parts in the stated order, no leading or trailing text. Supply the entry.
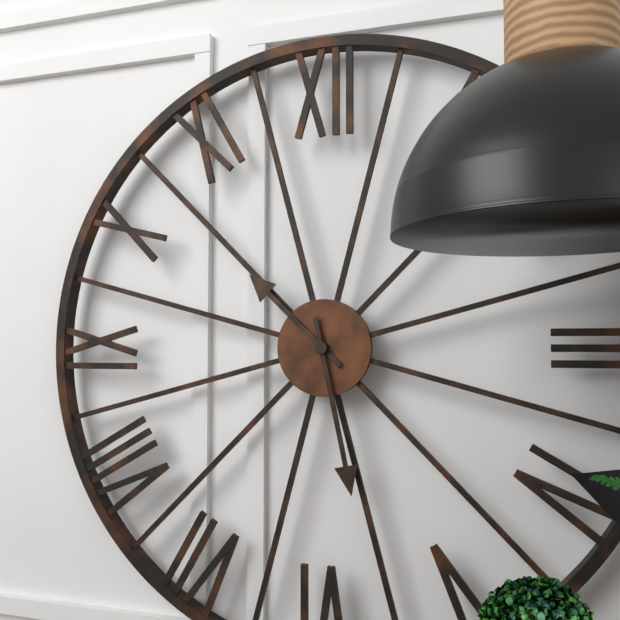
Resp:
10h28
